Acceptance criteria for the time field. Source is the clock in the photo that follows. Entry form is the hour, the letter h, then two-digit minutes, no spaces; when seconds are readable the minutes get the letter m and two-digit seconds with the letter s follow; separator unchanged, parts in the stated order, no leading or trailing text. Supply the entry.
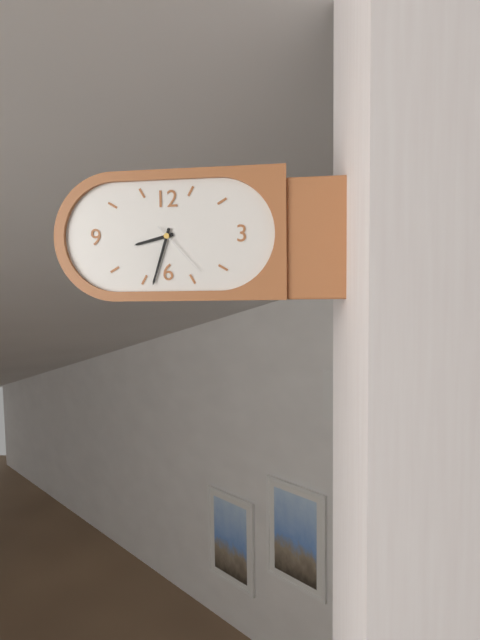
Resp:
8h33m23s
